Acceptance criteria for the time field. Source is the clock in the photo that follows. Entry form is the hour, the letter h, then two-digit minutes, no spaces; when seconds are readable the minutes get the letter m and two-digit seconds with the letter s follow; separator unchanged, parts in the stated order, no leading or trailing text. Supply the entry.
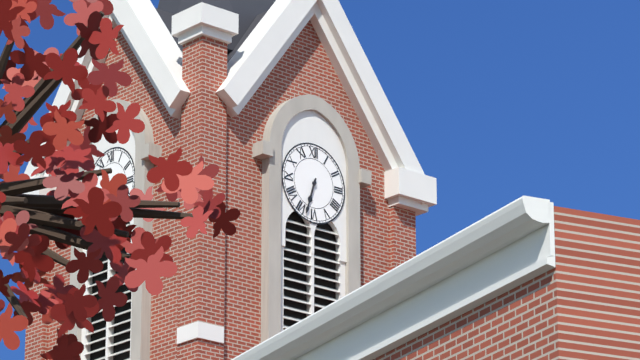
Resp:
6h33
